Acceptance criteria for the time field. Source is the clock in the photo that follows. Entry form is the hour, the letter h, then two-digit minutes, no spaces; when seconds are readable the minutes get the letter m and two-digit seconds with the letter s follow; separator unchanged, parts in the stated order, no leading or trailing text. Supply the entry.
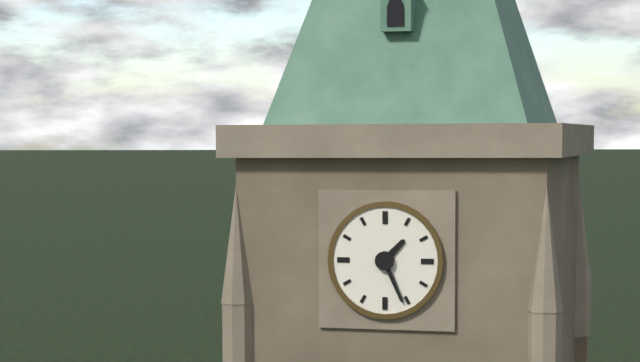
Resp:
1h26
